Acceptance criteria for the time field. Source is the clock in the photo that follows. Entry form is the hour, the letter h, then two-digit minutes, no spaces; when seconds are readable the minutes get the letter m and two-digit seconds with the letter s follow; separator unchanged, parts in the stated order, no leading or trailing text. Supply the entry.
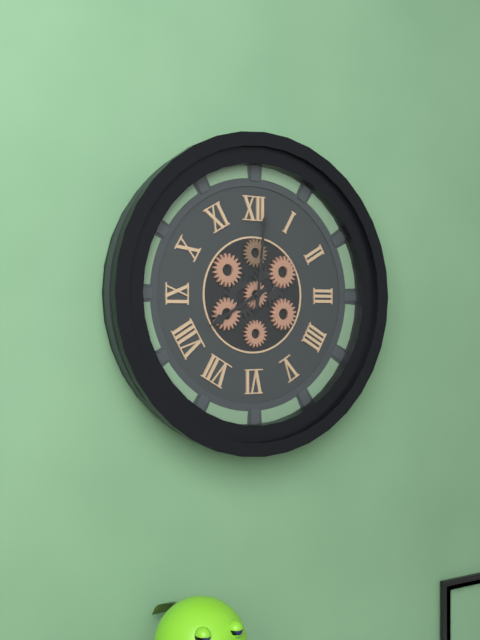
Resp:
8h01
